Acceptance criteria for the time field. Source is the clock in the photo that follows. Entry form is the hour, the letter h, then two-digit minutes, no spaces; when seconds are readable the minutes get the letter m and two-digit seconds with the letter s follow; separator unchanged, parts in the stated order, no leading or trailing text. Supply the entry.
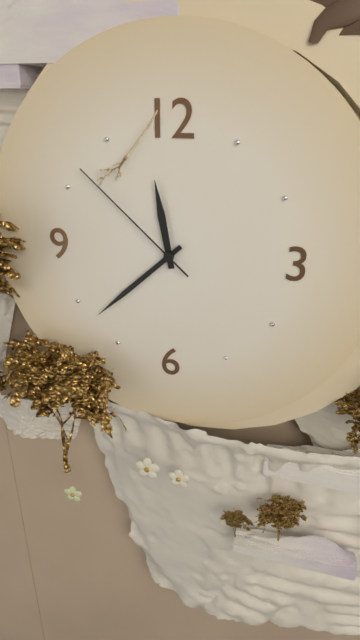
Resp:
11h38m52s
